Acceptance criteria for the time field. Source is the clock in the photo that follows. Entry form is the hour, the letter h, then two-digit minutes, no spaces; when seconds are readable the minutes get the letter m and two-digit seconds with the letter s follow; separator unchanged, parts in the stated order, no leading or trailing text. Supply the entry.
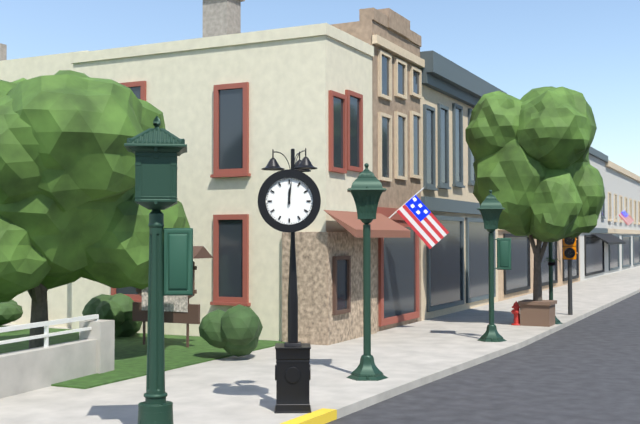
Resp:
12h01
